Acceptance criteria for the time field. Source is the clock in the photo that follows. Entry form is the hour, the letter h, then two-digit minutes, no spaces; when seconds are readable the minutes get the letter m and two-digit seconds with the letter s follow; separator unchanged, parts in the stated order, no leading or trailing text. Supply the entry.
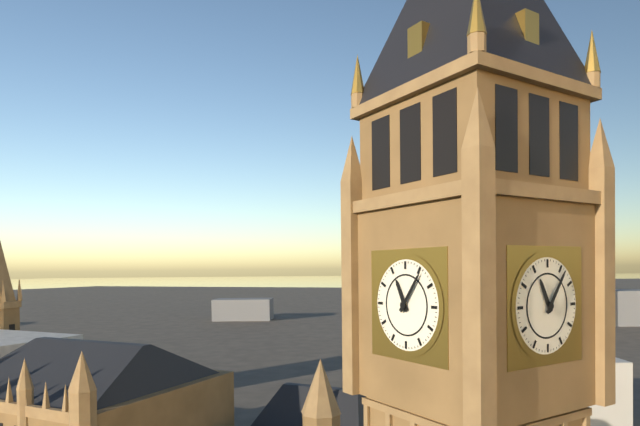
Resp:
11h06
